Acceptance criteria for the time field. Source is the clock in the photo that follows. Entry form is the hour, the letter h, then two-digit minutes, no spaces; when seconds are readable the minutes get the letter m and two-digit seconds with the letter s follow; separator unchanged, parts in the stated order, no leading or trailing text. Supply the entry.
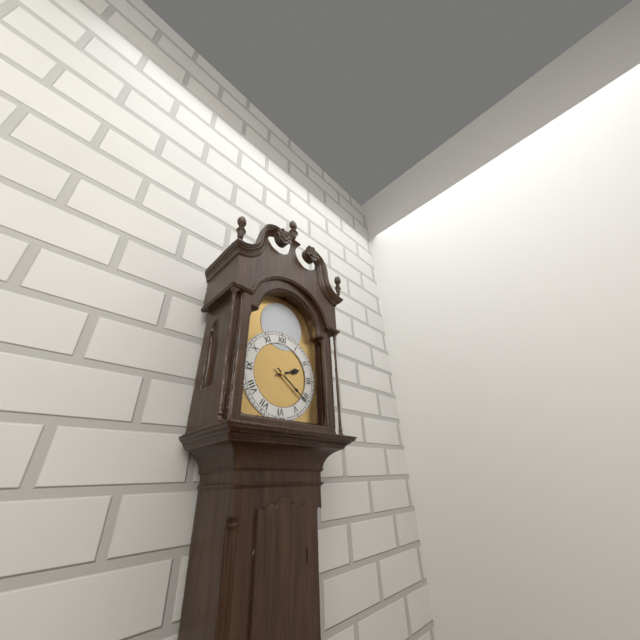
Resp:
2h21
